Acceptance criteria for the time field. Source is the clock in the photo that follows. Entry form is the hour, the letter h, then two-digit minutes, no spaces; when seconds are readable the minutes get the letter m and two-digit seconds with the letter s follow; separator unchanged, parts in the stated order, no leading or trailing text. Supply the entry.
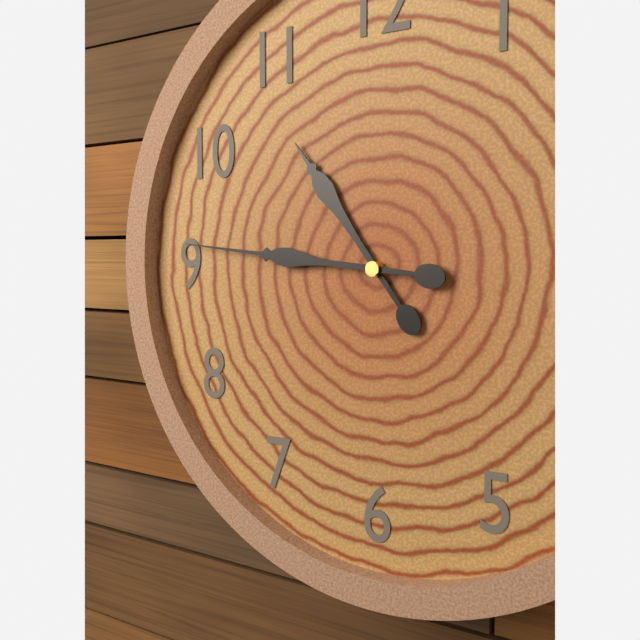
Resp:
10h46
